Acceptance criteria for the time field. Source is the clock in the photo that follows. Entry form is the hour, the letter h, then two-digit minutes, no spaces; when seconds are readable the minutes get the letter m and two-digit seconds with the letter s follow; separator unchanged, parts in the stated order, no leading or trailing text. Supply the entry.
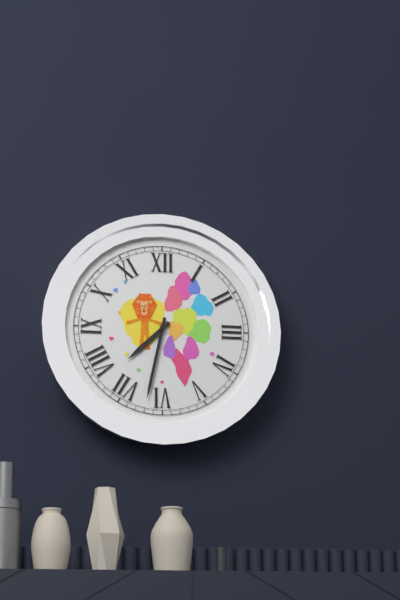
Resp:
7h32
